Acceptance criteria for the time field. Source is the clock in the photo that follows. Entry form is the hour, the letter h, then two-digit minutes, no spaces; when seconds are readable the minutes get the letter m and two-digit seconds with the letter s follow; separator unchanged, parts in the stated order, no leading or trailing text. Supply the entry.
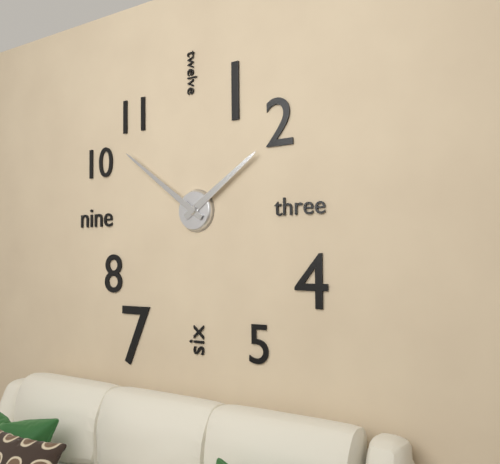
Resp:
1h51
